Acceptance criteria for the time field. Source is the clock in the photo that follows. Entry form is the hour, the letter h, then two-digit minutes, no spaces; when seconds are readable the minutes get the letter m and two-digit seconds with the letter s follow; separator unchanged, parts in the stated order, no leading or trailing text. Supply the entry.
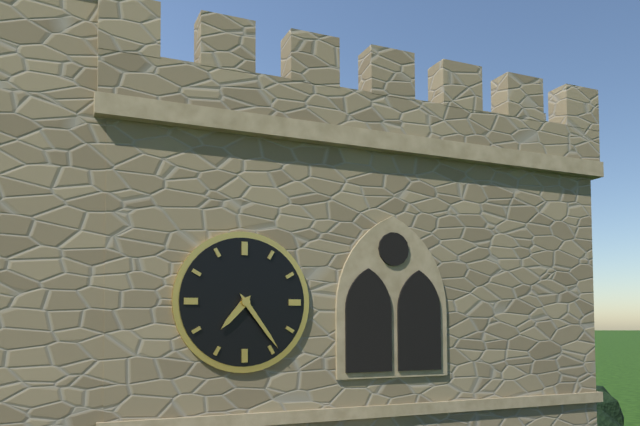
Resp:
7h24
